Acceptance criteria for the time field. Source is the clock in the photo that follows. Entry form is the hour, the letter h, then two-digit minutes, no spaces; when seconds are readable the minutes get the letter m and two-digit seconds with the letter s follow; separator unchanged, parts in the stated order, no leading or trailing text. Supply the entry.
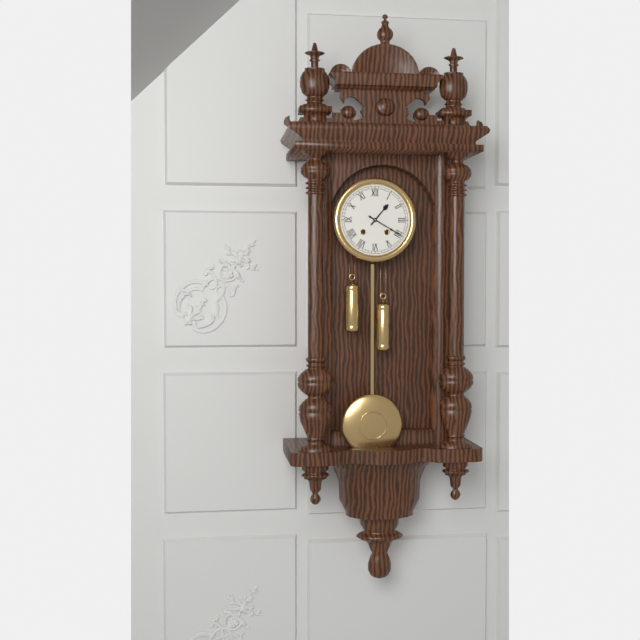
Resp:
1h20
